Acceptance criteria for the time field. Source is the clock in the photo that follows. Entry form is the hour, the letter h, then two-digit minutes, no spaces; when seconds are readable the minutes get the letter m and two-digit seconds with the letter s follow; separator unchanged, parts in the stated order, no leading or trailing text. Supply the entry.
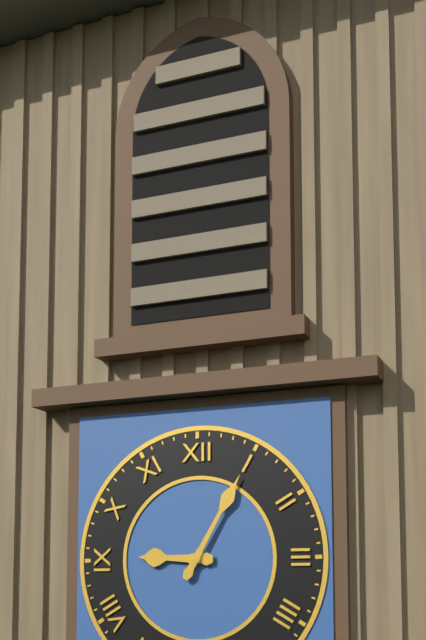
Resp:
9h05
